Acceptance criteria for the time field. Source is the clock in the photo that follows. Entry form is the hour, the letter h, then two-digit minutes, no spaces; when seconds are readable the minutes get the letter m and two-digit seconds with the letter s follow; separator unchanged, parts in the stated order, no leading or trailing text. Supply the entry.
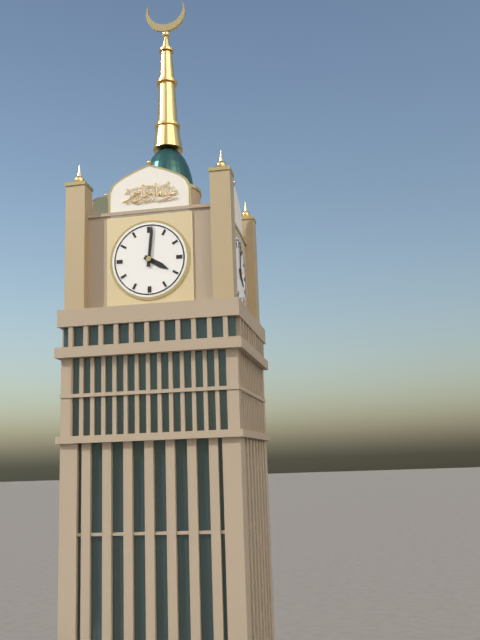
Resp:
4h01
